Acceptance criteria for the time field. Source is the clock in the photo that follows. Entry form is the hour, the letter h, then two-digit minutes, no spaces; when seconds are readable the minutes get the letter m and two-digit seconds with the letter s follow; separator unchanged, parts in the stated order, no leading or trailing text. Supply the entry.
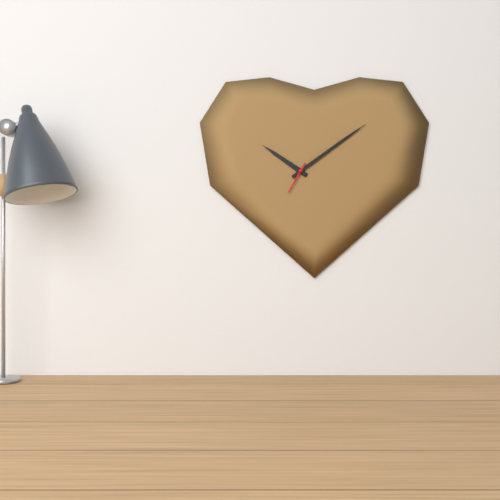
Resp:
10h09
